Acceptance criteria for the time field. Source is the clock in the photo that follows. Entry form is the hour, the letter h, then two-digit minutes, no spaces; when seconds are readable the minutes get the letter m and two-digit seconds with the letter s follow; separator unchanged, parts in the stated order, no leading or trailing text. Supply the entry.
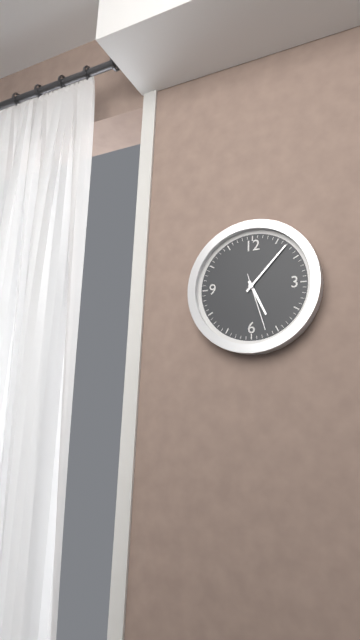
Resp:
5h07m27s
